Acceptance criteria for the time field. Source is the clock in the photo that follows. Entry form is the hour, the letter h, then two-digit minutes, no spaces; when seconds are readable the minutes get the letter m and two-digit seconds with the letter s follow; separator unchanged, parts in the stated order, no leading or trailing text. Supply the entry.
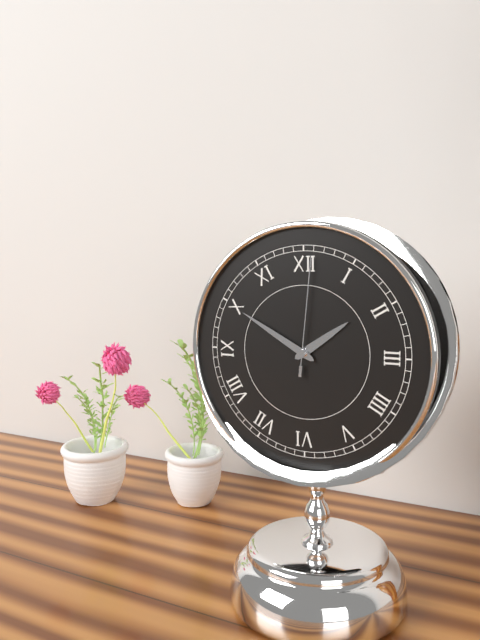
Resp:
1h50m01s
